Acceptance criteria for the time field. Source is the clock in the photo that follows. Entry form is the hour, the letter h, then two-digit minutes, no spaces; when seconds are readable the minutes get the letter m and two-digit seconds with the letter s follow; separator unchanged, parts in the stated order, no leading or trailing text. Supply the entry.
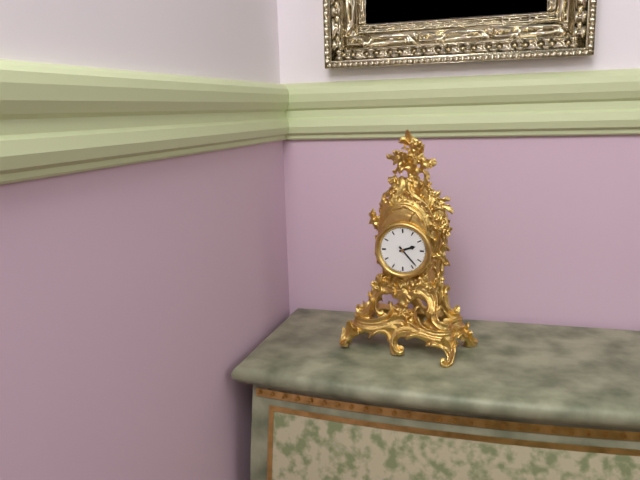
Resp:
2h23
